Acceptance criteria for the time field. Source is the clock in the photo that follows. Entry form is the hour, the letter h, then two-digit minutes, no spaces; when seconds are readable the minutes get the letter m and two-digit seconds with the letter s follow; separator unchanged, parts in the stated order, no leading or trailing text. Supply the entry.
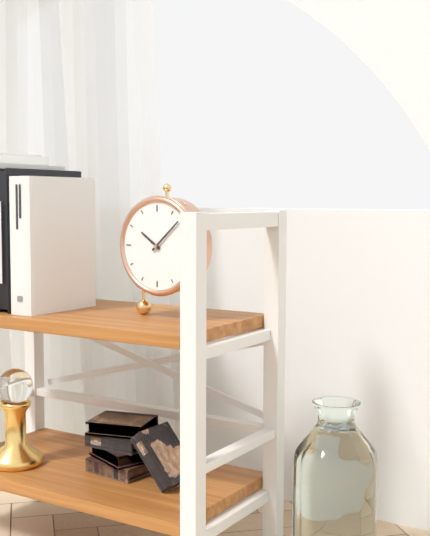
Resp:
10h08
